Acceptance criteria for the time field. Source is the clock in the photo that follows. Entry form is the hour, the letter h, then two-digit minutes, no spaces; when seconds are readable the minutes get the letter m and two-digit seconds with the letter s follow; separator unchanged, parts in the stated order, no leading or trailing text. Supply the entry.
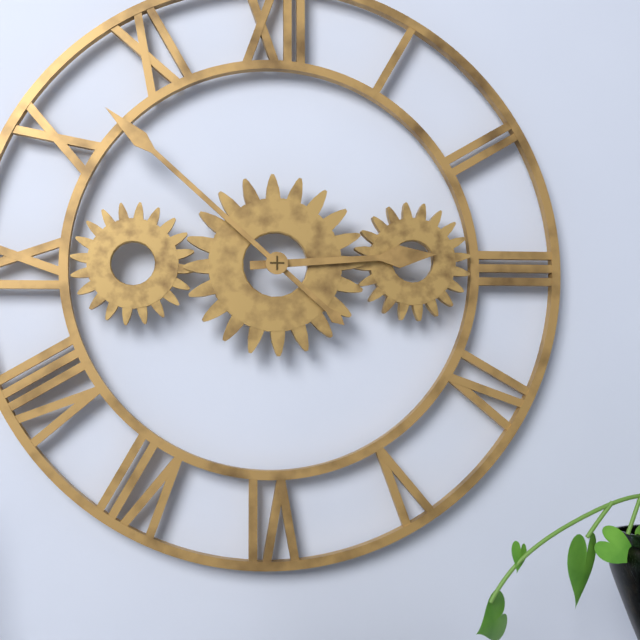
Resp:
2h52
